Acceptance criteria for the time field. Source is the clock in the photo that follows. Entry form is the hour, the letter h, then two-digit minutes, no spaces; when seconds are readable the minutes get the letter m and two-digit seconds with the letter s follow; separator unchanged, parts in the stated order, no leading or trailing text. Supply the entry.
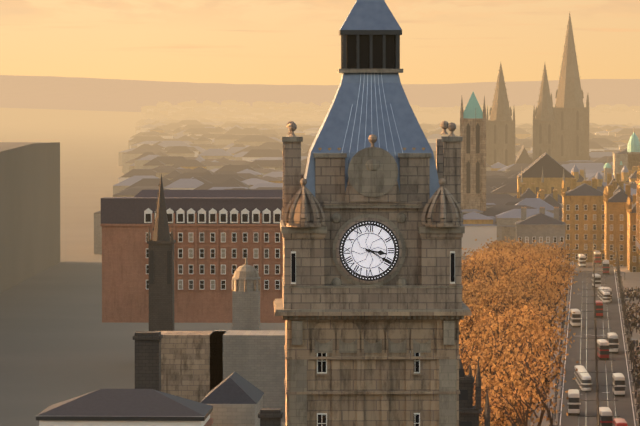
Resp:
3h20
